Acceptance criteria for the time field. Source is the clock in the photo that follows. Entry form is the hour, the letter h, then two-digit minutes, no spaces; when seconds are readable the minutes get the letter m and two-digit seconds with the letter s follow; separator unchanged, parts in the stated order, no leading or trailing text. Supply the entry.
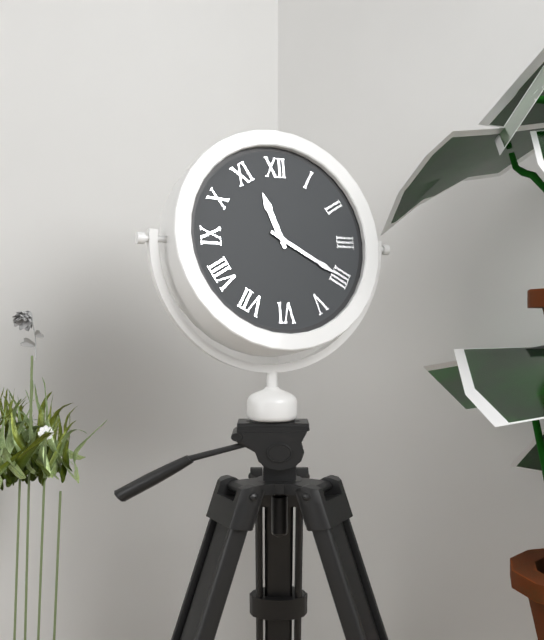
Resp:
11h20
